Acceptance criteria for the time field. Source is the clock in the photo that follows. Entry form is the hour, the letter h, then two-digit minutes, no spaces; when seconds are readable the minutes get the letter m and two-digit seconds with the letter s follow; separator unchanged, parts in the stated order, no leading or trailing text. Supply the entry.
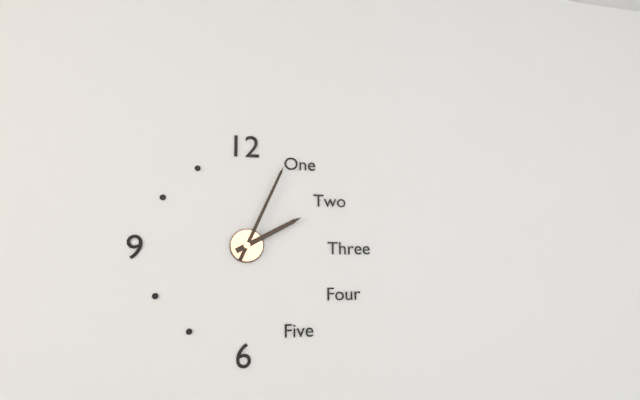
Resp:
2h04
